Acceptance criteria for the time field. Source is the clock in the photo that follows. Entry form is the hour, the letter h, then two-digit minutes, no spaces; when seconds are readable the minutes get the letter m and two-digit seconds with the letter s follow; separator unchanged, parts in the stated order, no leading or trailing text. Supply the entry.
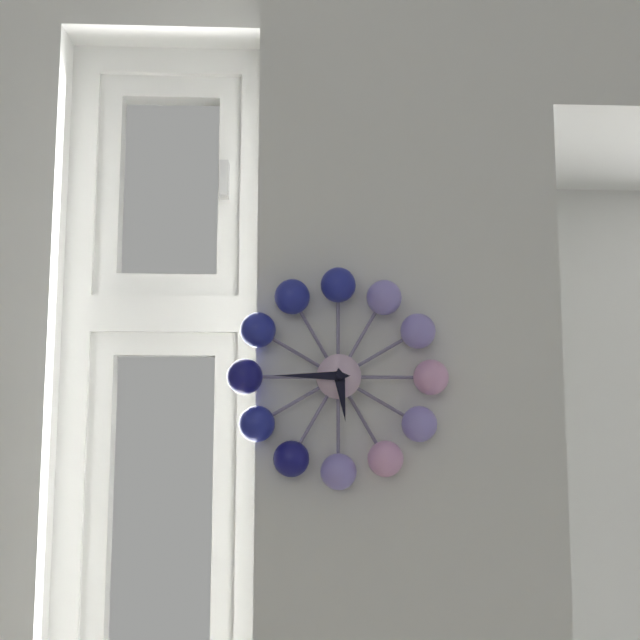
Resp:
5h45
